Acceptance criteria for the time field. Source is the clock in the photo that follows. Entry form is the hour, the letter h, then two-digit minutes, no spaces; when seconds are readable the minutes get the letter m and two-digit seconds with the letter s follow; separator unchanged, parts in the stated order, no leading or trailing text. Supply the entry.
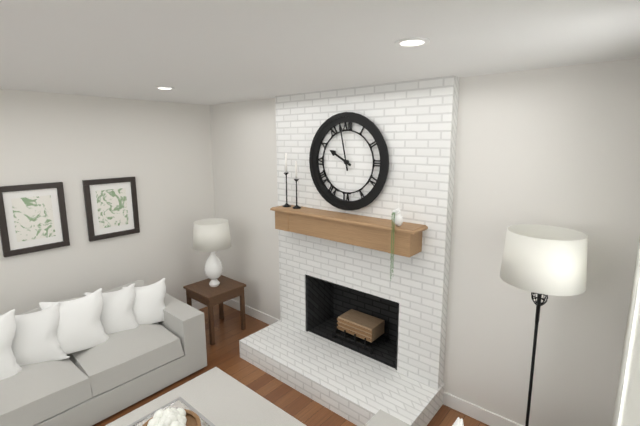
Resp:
9h58
